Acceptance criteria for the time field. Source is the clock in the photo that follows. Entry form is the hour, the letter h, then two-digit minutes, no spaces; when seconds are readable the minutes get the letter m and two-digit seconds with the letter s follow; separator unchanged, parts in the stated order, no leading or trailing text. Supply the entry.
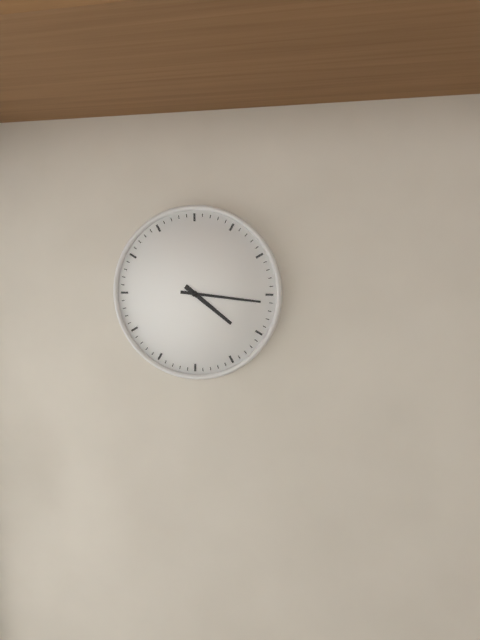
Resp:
4h16
